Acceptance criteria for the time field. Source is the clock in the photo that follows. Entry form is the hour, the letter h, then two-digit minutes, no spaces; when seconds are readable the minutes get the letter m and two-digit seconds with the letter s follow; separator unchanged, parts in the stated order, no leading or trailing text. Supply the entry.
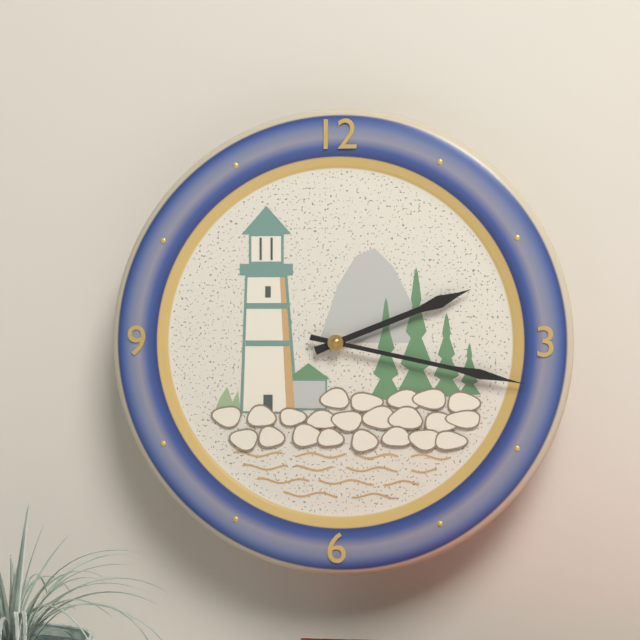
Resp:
2h17
